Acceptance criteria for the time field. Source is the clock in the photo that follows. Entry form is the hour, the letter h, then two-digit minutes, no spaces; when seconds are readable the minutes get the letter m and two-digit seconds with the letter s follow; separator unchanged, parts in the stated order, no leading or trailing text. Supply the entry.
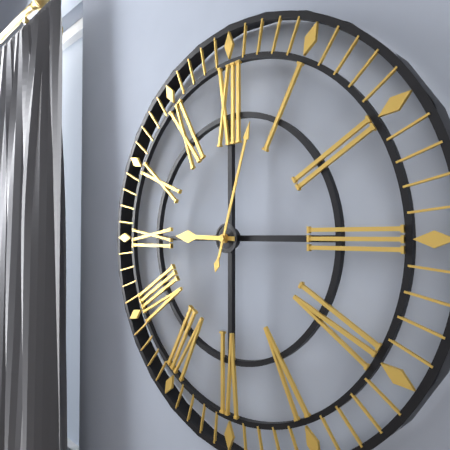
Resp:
9h03
